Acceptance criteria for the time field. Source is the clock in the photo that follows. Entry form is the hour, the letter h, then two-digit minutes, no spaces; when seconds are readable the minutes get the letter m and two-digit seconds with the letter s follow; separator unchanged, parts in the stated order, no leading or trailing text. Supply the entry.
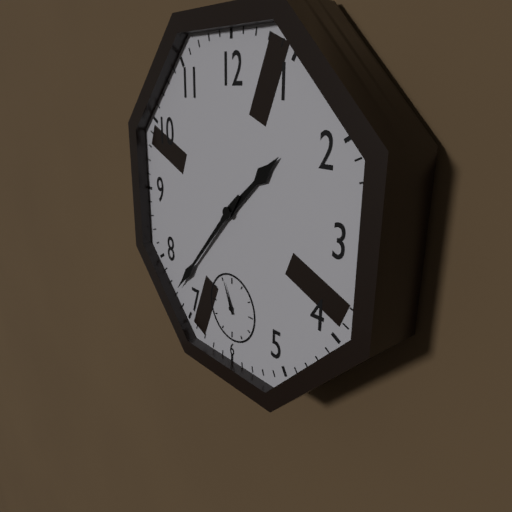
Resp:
1h37
